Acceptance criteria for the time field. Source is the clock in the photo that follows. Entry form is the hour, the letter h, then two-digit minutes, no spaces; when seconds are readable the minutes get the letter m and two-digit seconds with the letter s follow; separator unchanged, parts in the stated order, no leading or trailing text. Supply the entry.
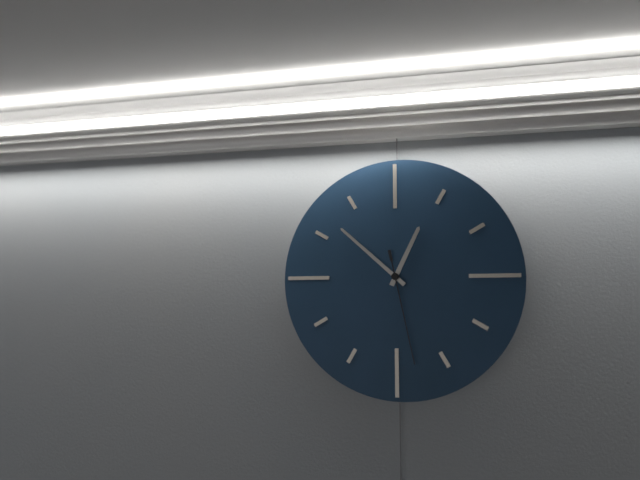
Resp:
12h52m28s
